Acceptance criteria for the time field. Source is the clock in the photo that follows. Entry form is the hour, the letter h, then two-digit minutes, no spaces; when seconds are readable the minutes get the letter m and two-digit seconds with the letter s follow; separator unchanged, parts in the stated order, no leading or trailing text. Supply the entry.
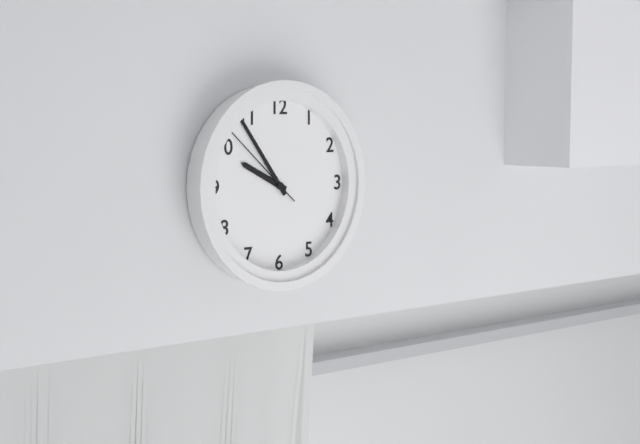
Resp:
9h54m52s
